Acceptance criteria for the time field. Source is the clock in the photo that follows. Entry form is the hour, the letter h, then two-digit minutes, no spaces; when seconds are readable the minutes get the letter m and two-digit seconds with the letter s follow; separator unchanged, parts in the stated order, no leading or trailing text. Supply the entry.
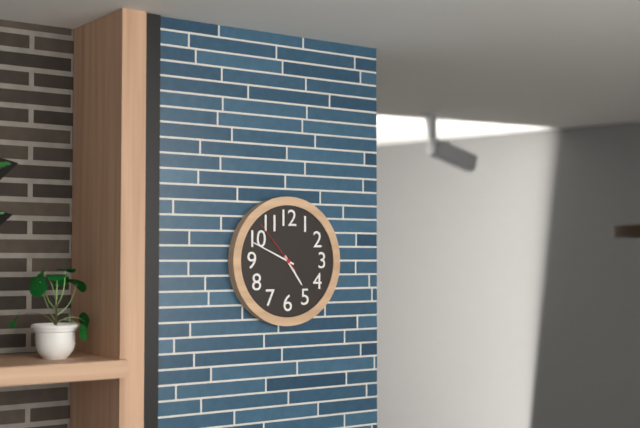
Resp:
4h49m53s
